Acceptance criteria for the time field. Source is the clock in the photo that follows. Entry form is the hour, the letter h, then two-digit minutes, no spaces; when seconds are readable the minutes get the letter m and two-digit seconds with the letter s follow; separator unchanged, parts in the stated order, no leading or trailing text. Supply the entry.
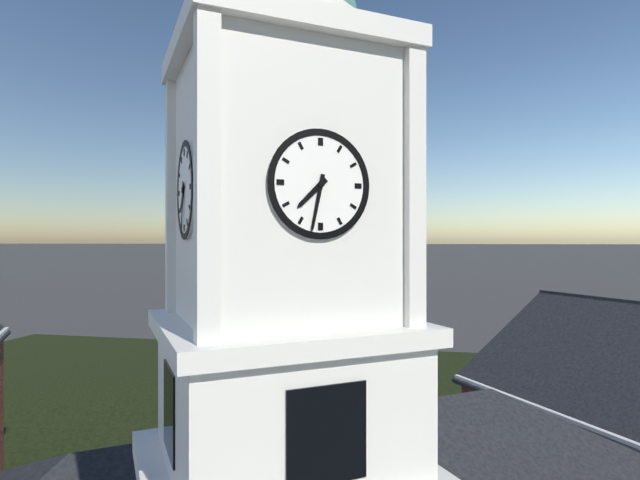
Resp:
7h32
